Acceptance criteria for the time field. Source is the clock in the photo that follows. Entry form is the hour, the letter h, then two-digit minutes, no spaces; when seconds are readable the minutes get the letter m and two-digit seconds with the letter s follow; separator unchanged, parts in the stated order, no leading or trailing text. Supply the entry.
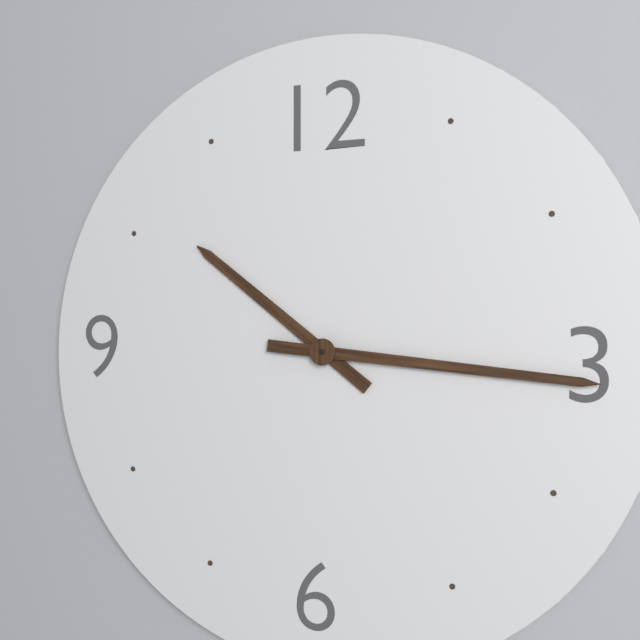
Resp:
10h16
